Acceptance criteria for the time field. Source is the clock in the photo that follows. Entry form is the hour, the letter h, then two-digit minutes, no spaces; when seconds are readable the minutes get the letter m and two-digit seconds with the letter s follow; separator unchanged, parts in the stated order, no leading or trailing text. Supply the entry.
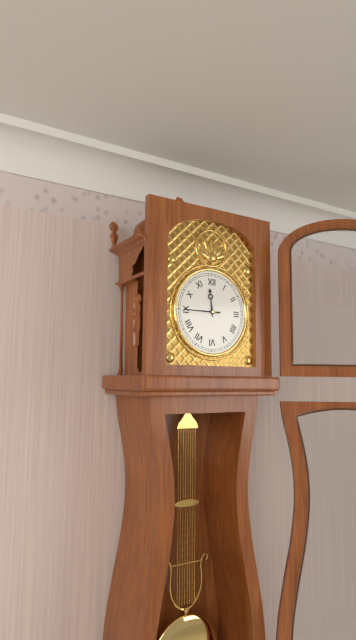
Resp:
11h45
